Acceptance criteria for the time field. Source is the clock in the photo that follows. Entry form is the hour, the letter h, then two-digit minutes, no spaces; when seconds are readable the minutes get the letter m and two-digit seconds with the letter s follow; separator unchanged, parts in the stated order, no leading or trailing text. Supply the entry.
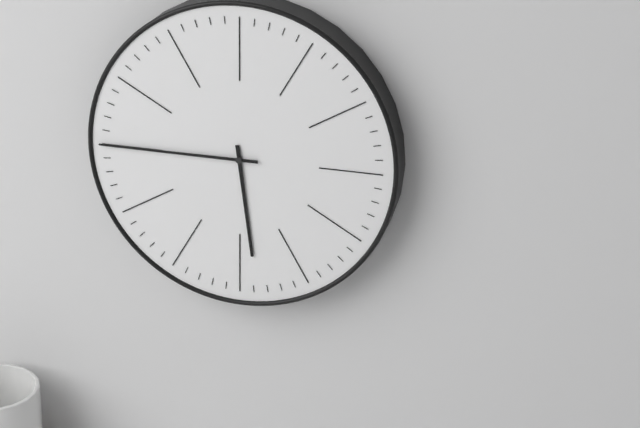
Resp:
5h45
